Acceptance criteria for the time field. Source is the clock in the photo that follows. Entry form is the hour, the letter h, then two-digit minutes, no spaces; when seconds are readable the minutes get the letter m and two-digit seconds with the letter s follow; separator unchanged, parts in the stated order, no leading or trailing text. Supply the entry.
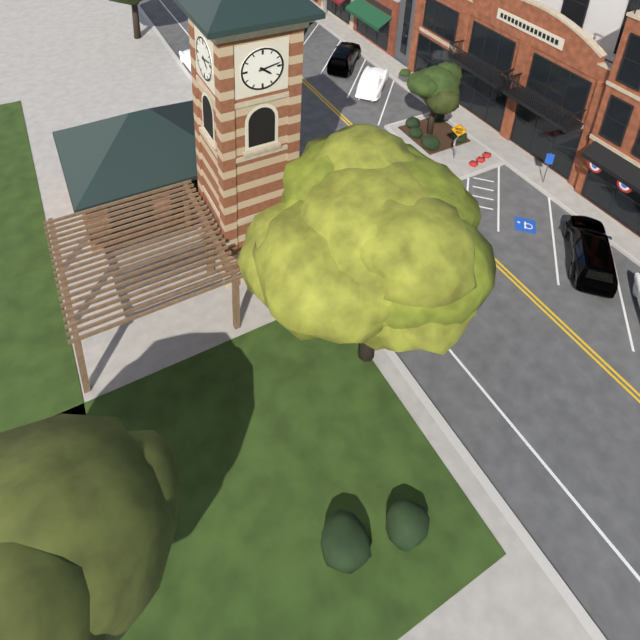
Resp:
4h13
